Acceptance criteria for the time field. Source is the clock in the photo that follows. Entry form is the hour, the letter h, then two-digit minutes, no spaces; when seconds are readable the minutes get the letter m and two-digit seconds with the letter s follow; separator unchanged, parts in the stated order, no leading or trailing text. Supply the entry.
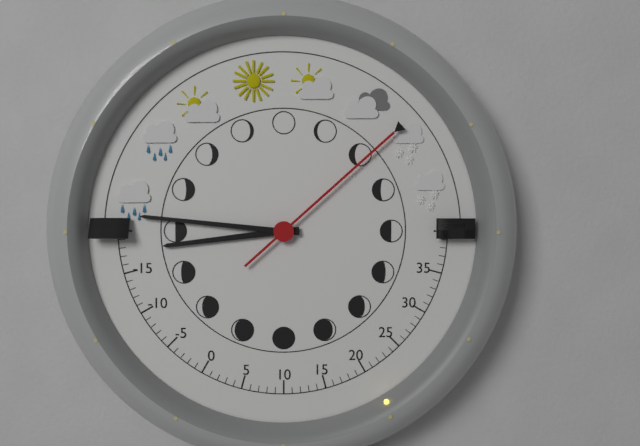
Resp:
8h46m08s
